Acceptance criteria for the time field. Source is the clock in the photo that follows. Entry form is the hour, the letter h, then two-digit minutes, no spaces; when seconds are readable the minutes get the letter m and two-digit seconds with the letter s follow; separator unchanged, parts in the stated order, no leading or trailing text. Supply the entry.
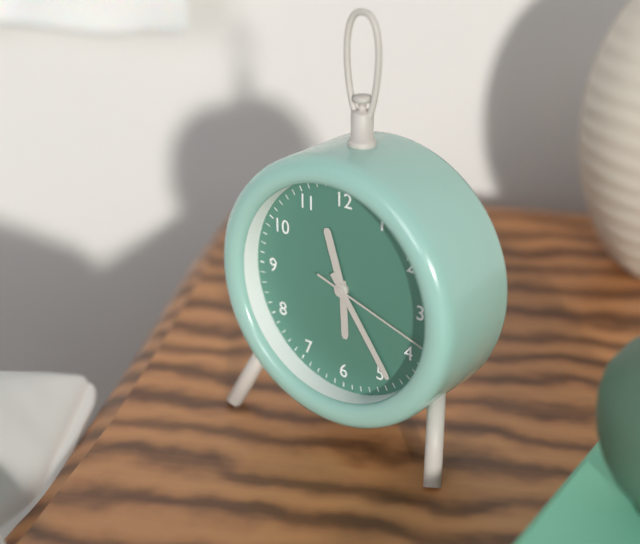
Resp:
11h24m18s
